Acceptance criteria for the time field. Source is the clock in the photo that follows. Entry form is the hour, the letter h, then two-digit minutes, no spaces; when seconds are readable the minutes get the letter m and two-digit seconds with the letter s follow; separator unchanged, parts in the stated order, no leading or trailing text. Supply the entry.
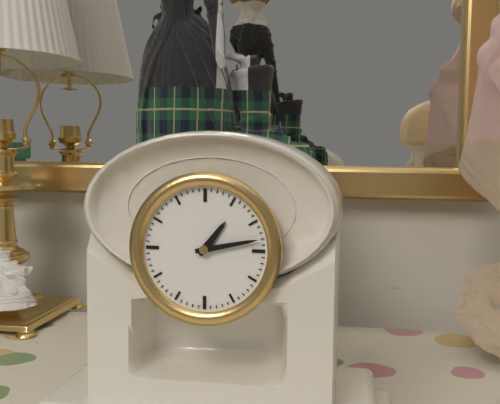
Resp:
1h13
